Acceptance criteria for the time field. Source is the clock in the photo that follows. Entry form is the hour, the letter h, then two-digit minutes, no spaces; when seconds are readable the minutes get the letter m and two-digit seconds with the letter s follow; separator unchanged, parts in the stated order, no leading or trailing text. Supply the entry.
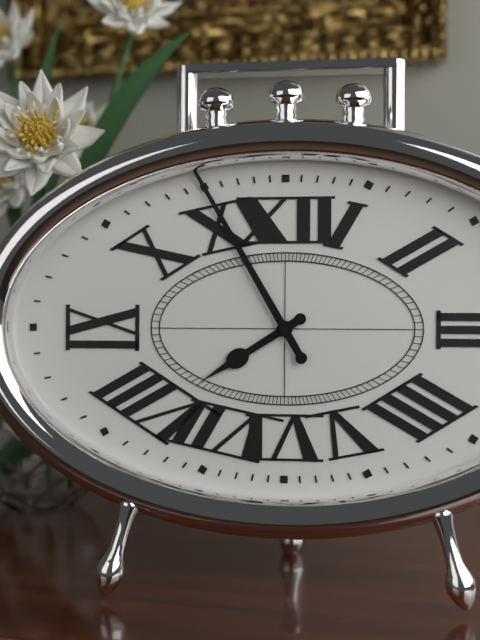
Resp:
7h55
